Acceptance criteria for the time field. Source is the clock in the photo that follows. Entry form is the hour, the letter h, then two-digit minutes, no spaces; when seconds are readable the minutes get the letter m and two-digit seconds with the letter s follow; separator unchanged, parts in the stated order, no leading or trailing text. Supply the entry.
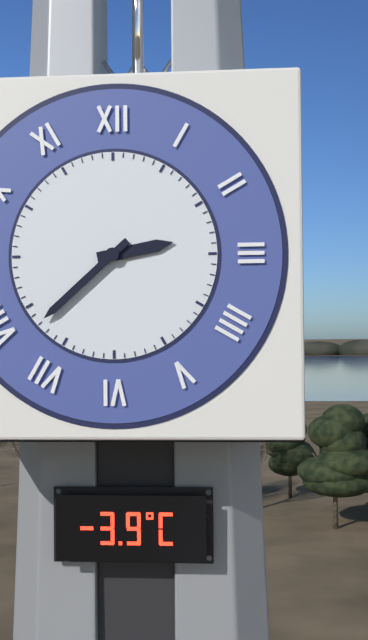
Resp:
2h38
